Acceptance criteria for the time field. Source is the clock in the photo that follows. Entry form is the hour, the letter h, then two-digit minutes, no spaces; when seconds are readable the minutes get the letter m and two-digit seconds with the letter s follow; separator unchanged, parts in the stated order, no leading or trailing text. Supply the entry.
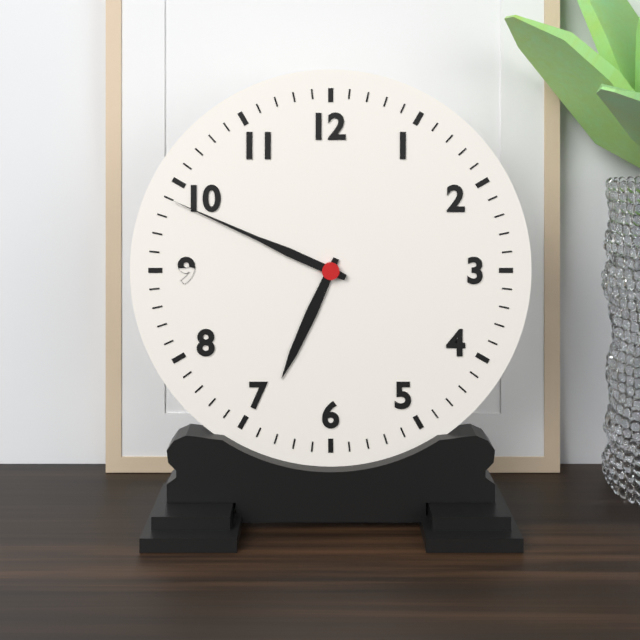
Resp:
6h49
